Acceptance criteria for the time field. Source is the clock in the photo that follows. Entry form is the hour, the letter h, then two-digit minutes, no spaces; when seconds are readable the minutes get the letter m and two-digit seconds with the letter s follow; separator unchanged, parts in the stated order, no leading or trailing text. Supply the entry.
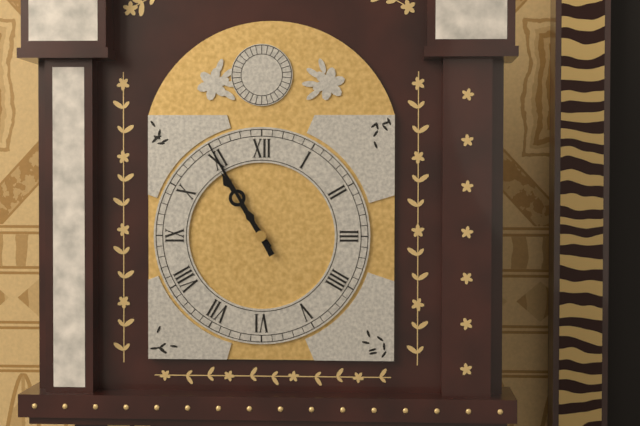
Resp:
10h55
